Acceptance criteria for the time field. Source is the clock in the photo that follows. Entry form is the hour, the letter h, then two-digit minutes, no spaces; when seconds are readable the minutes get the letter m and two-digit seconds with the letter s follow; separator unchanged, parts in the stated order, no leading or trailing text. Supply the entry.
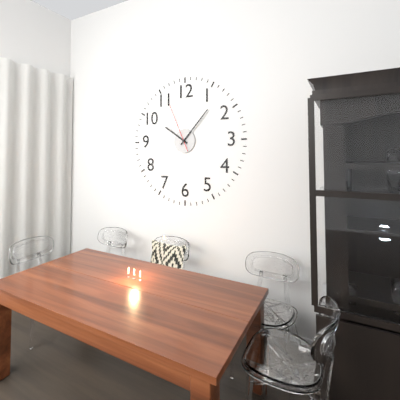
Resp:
10h07m56s
